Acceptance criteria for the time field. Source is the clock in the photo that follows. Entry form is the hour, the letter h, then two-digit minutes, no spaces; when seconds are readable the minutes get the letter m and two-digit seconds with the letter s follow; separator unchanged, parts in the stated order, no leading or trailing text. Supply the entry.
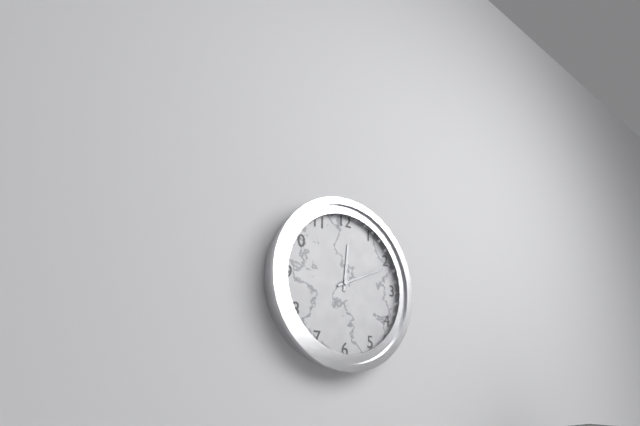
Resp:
12h11
